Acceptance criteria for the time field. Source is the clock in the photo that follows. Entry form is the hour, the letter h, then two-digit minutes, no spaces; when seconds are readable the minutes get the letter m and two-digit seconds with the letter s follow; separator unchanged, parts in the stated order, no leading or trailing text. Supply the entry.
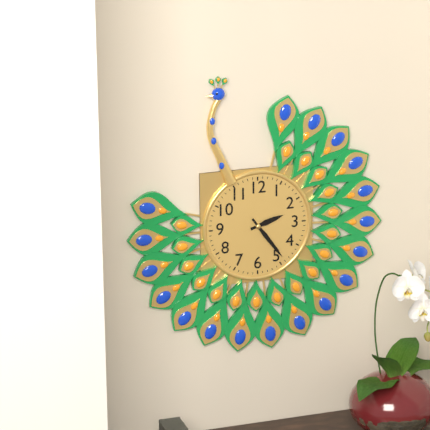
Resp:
2h24
